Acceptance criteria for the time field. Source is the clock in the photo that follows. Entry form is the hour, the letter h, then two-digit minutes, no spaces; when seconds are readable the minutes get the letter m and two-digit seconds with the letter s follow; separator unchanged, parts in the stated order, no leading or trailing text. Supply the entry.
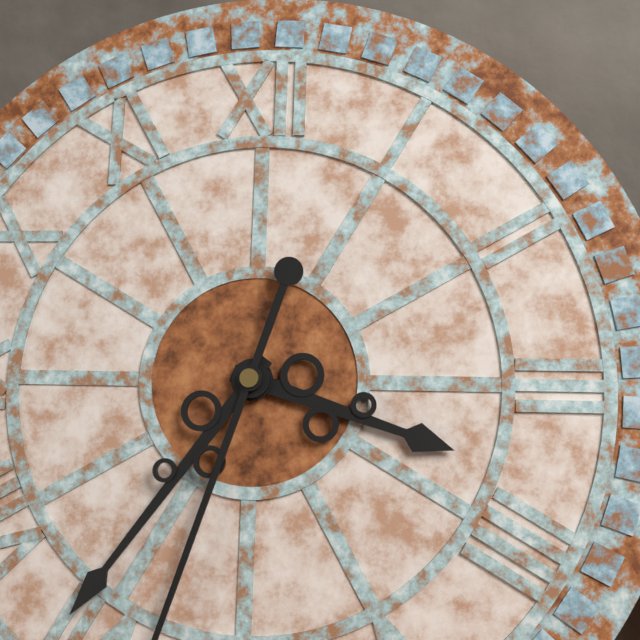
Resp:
3h36
